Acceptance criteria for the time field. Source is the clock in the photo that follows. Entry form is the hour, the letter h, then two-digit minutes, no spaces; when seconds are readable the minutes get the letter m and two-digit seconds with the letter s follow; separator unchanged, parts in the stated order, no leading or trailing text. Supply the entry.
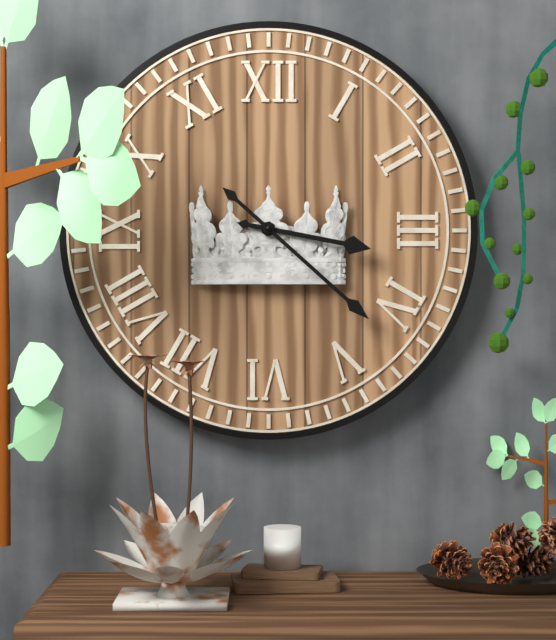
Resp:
3h22
